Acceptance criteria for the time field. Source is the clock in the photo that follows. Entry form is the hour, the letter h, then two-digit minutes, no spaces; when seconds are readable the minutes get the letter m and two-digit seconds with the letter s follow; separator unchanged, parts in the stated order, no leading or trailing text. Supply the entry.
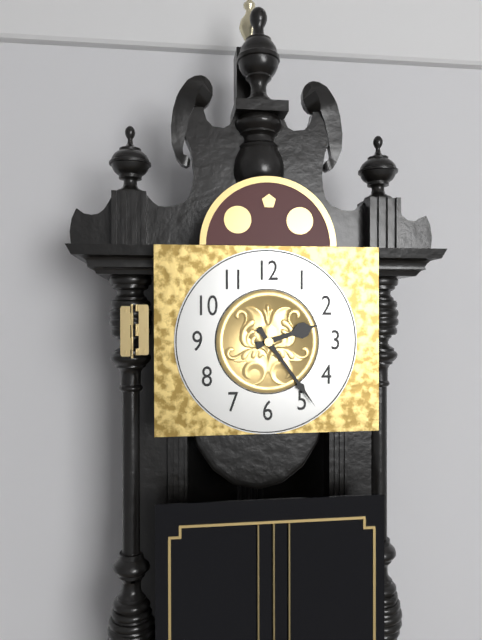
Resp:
2h24
